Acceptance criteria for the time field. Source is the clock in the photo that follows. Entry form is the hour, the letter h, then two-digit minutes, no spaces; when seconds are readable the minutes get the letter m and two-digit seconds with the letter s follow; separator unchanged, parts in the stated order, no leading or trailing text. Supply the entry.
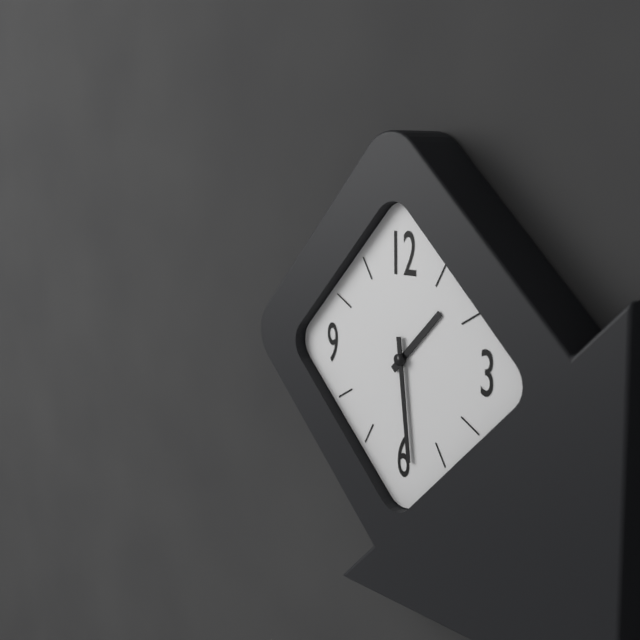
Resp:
1h29
